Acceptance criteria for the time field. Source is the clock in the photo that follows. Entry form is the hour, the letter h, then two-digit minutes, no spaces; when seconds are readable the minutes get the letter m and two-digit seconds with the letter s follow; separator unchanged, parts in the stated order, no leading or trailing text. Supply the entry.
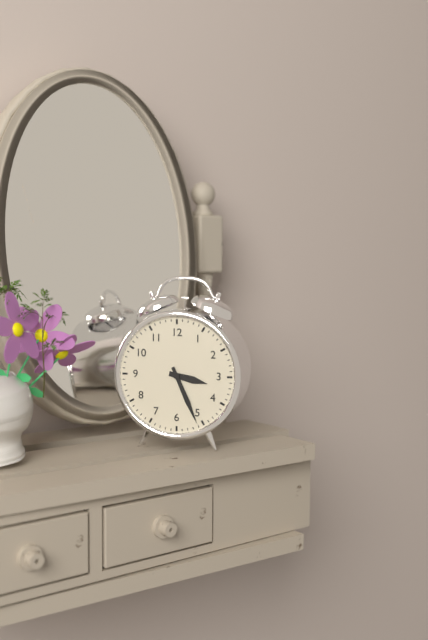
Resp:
3h26
